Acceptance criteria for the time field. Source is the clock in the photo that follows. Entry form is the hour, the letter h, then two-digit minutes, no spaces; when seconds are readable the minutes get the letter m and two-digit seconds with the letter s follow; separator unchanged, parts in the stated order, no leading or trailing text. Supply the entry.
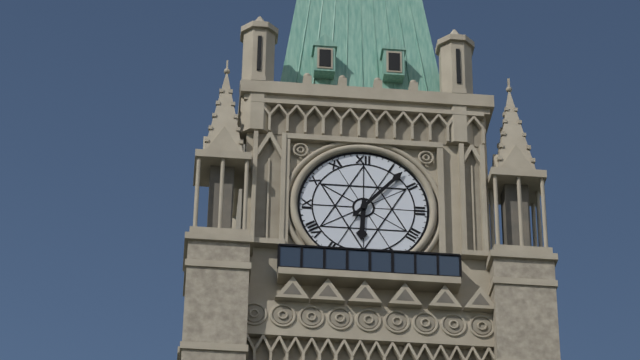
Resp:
6h07
